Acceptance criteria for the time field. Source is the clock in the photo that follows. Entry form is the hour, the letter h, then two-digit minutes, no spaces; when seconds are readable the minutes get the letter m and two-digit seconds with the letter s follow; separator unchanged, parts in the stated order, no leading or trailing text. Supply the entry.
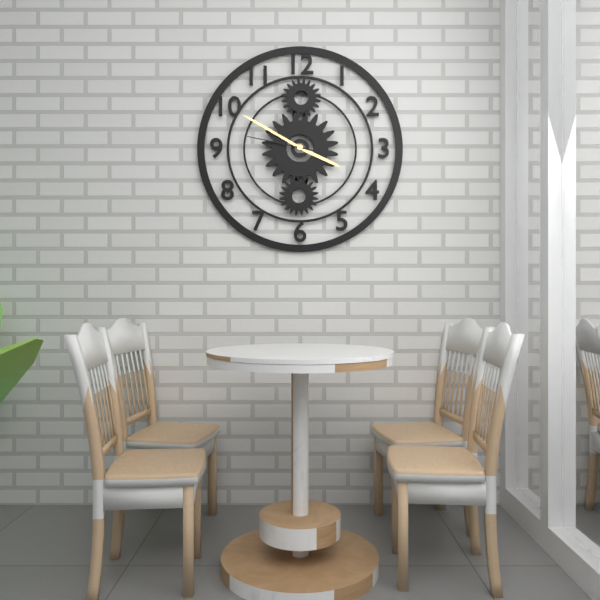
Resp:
3h50m47s
